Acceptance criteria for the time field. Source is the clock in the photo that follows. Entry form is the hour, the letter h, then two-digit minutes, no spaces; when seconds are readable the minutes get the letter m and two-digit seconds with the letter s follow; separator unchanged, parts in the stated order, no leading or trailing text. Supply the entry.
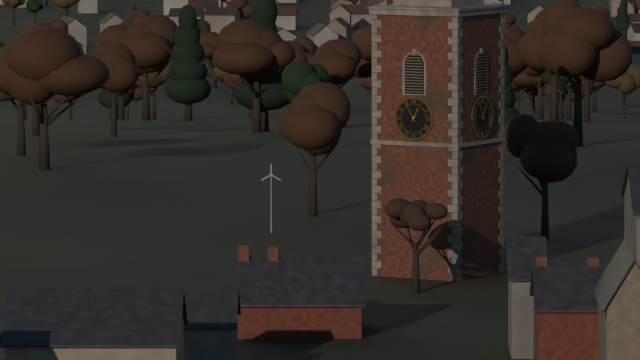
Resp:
12h55
